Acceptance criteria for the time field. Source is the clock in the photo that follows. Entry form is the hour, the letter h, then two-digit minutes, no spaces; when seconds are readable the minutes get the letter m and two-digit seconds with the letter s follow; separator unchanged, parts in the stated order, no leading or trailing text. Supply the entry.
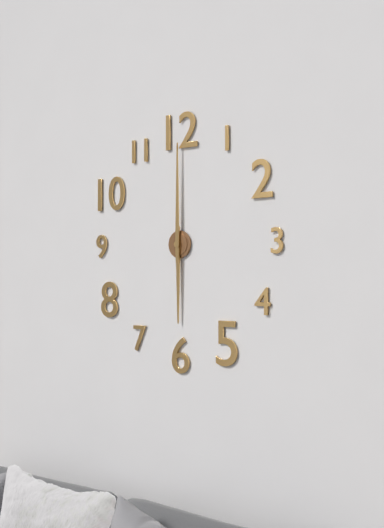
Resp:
6h00
